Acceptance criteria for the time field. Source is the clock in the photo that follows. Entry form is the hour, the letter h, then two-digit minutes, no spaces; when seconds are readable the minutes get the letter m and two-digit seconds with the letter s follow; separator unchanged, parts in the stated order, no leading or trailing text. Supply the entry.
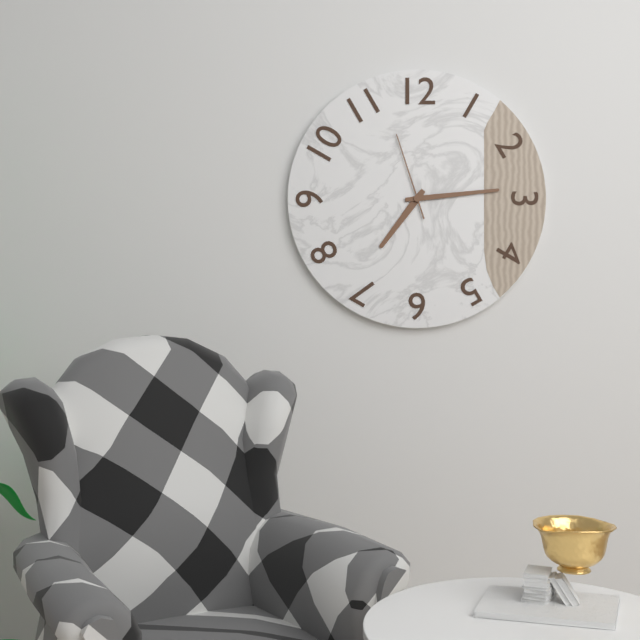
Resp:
7h14m57s
